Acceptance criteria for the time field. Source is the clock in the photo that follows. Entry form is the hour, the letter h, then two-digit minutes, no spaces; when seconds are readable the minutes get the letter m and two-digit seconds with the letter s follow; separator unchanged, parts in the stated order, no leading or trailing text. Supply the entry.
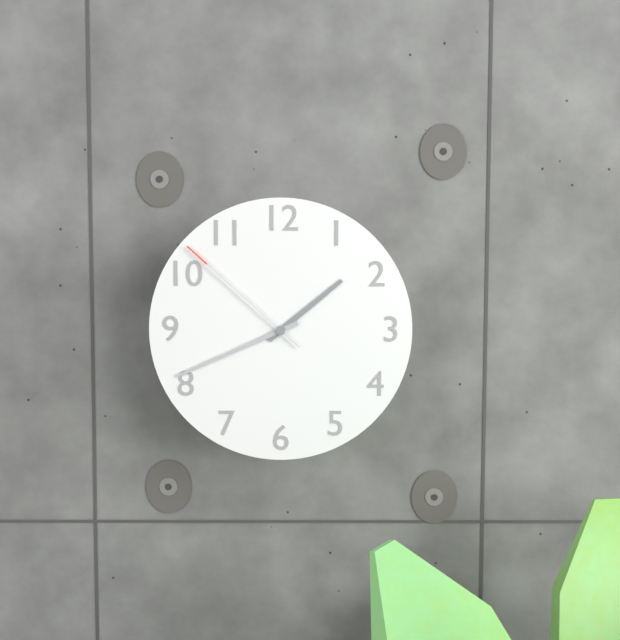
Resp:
1h41m52s
